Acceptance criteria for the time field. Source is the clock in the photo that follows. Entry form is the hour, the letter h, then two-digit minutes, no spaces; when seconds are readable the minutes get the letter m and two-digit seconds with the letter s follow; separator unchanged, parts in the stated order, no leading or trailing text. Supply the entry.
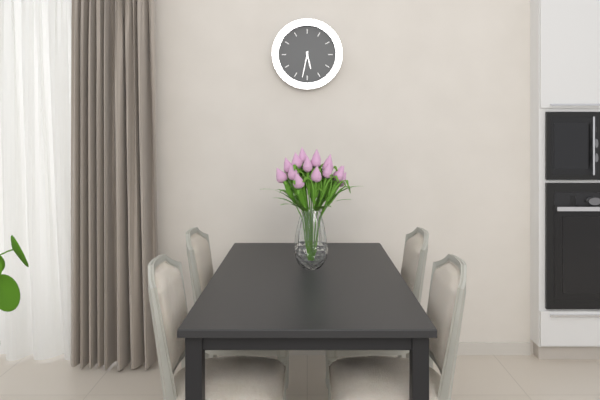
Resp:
5h32
